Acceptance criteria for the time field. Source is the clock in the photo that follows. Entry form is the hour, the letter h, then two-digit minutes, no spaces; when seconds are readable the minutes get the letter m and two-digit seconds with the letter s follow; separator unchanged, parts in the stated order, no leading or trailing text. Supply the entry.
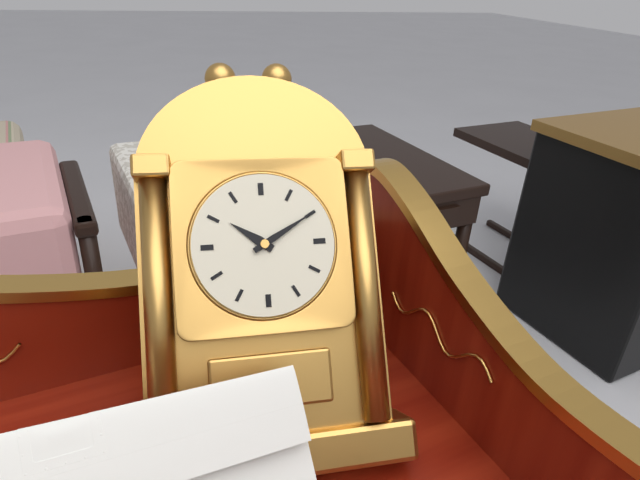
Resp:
10h10
